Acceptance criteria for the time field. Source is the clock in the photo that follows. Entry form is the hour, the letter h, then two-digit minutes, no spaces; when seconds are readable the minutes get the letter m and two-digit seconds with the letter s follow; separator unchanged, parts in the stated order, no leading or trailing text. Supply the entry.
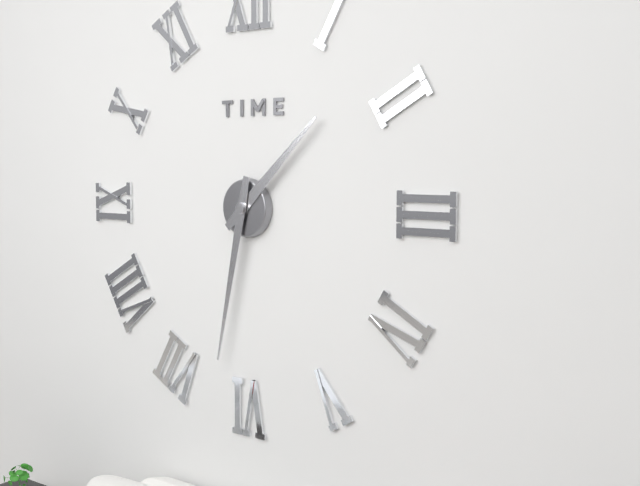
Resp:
1h32
